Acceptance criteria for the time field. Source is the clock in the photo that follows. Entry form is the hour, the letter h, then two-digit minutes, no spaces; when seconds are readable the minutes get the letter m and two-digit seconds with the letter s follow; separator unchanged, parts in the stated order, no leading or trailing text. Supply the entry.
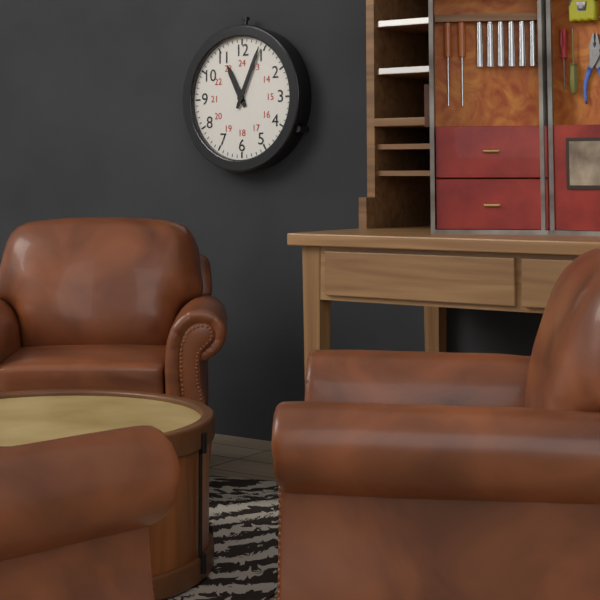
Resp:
11h04
